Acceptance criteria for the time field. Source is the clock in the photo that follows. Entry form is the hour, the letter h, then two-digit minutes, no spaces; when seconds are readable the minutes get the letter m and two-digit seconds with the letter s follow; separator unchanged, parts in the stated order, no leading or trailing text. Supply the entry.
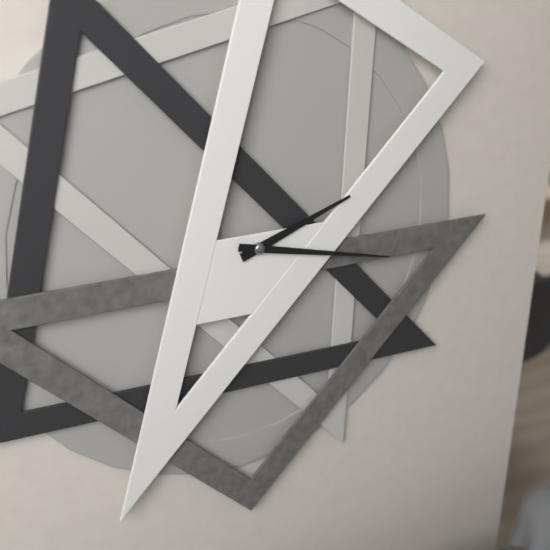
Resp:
2h17
